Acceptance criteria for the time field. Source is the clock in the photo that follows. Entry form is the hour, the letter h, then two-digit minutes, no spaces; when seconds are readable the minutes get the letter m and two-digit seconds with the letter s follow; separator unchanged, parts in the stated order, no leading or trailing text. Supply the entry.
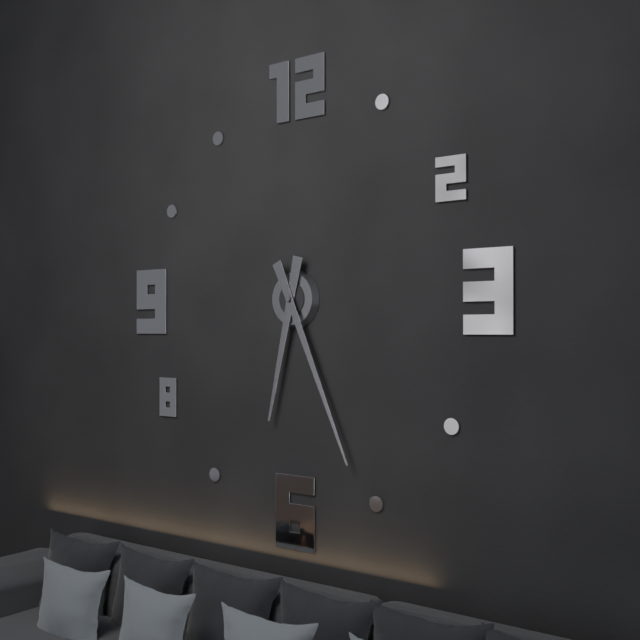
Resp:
6h26
